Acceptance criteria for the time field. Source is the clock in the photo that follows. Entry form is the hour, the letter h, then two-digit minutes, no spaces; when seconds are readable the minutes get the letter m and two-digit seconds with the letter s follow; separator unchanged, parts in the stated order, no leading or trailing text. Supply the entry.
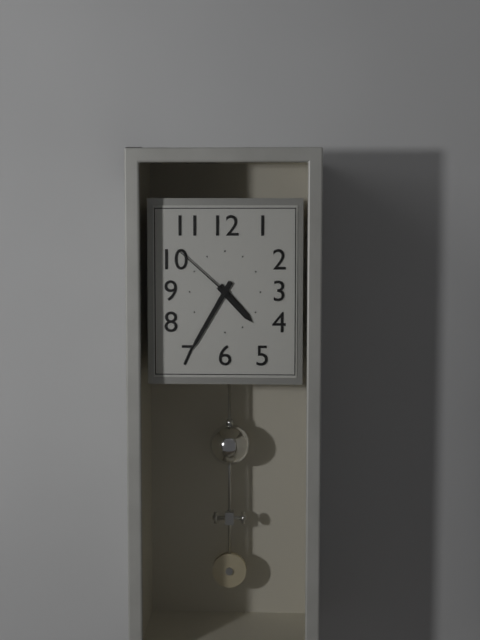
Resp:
4h35m52s
